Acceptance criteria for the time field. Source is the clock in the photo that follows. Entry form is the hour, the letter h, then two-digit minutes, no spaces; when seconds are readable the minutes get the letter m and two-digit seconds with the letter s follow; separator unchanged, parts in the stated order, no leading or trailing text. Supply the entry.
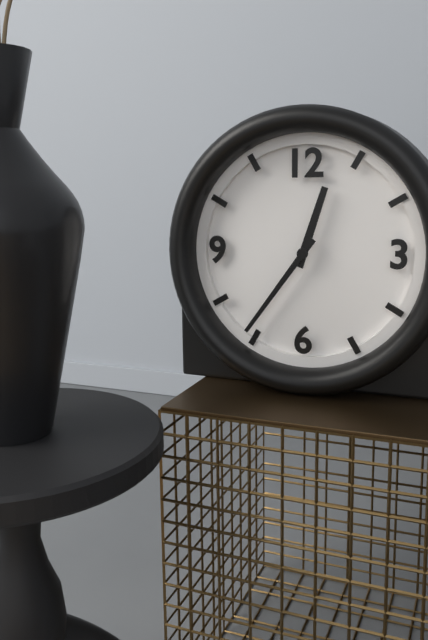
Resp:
12h36
